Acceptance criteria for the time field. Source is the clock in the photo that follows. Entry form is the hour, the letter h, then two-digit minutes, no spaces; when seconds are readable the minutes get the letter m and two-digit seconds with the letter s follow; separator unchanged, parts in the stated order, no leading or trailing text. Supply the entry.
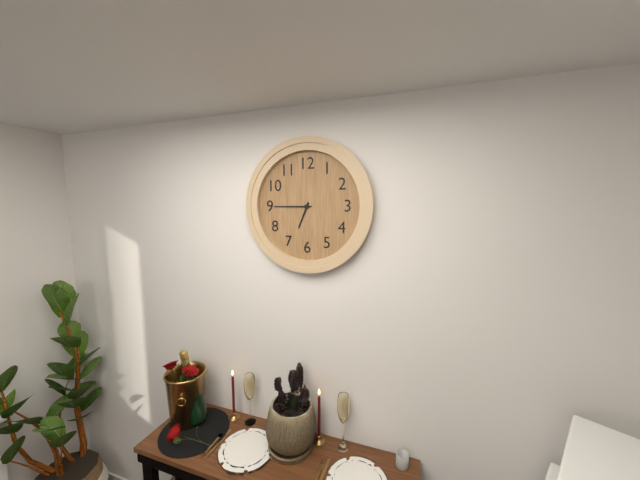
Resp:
6h45
